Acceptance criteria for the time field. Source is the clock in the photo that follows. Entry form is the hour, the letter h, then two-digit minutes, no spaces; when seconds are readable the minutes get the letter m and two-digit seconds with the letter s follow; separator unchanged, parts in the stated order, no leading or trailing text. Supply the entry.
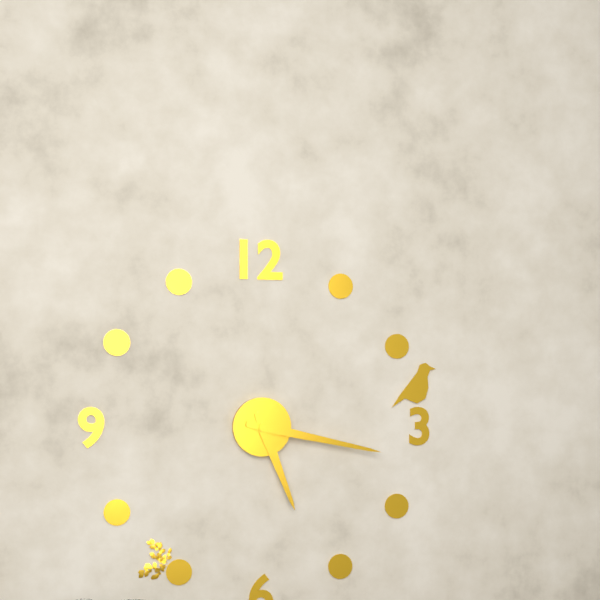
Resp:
5h17
